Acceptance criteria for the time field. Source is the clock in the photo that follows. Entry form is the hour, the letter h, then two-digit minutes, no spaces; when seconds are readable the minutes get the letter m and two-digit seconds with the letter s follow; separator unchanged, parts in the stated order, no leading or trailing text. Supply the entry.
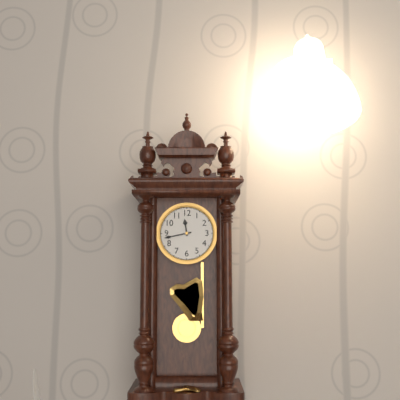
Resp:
11h43
